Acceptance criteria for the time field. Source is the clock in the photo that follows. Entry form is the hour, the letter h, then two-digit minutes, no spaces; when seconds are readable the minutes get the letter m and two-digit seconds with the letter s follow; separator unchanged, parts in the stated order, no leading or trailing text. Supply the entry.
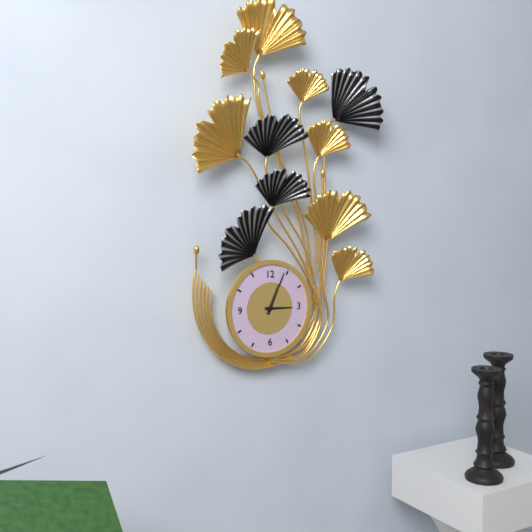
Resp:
3h04
